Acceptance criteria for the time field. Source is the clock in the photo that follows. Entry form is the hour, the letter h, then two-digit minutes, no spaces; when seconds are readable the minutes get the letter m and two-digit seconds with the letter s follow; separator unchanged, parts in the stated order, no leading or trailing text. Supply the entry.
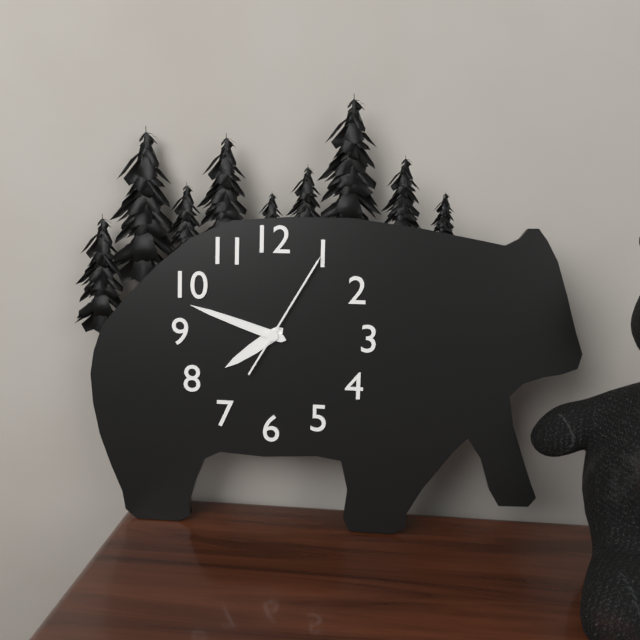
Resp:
7h48m05s
